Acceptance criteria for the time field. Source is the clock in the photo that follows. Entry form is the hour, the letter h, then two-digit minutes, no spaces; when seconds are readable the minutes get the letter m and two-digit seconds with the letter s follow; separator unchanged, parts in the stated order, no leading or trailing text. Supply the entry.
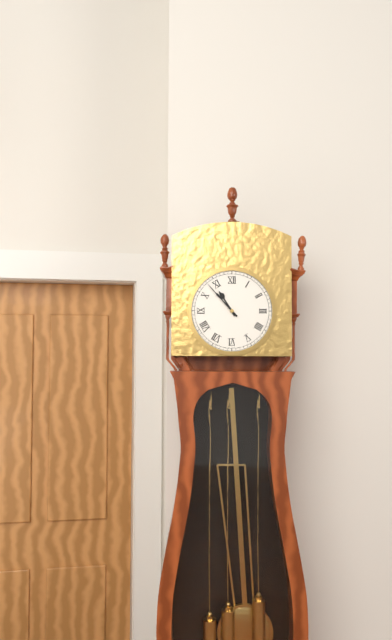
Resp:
10h53
